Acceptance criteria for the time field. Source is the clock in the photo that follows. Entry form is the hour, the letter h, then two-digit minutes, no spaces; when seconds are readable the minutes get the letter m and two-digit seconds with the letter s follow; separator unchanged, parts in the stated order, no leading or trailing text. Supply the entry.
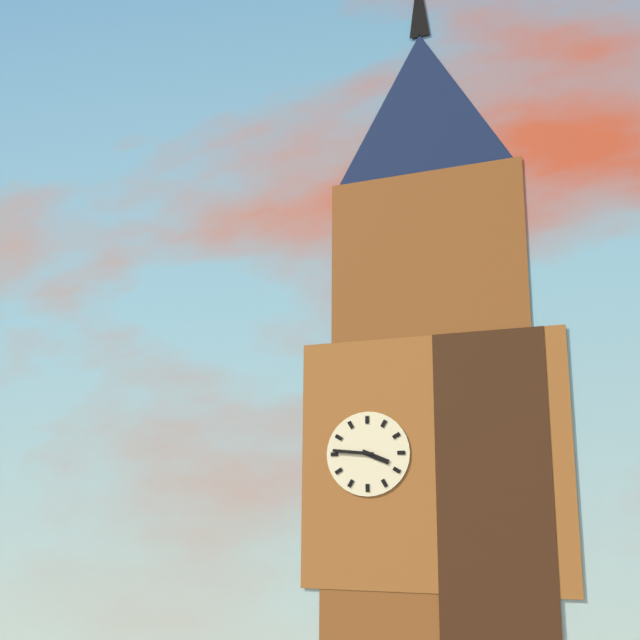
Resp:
3h46
